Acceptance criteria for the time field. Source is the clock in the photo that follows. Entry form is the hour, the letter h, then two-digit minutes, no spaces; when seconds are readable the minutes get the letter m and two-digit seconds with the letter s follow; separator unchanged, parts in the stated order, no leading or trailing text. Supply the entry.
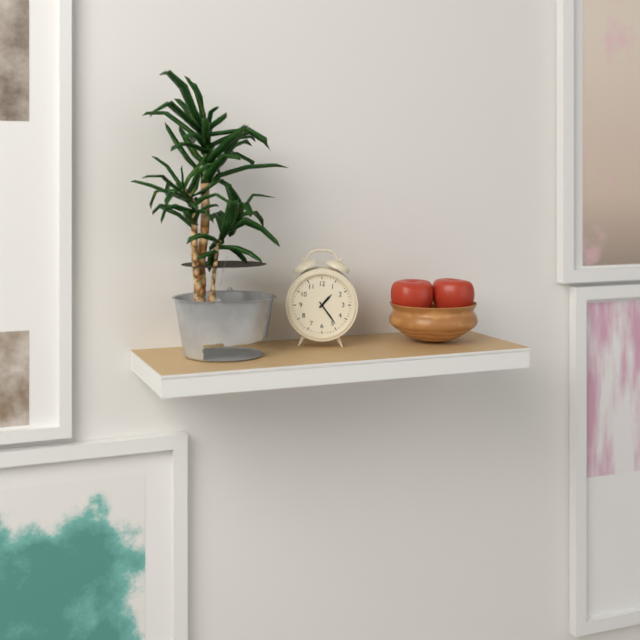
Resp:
1h24
